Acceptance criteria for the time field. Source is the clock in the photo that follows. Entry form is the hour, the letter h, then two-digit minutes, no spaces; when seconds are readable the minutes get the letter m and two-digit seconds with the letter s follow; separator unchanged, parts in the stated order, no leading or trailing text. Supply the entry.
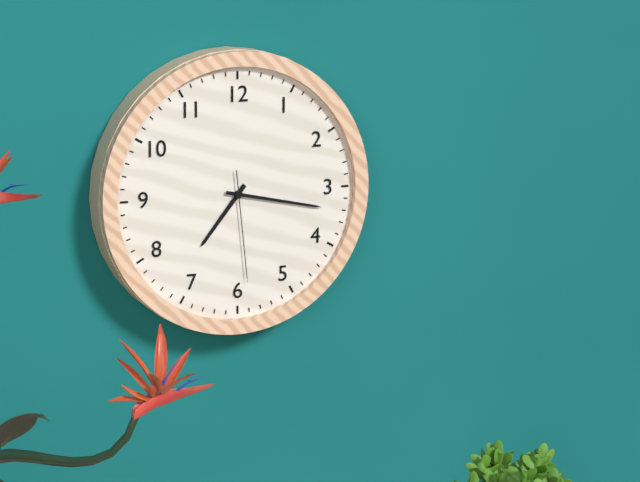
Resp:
7h17m29s
